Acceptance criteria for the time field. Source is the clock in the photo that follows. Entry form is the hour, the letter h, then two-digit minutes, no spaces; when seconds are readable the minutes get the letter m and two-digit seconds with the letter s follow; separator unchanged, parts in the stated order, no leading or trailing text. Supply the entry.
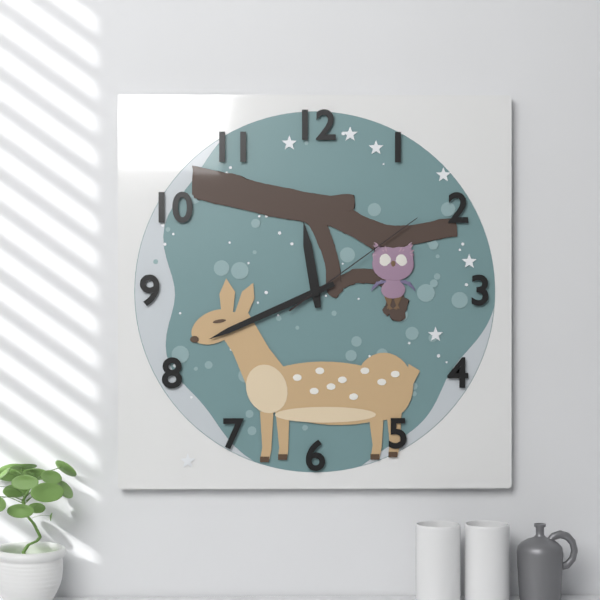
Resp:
11h41m09s
